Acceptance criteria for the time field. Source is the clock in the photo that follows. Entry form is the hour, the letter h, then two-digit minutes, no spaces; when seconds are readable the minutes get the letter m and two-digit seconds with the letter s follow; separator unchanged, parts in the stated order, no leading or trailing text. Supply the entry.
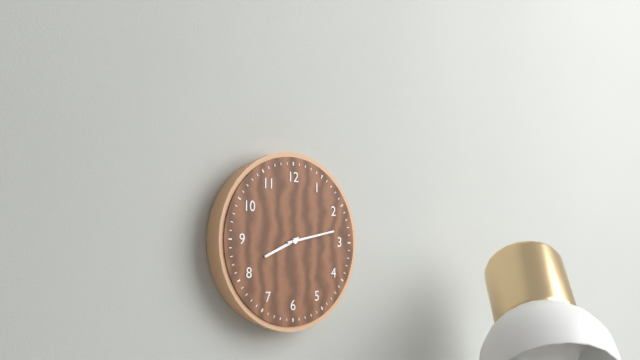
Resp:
8h13
